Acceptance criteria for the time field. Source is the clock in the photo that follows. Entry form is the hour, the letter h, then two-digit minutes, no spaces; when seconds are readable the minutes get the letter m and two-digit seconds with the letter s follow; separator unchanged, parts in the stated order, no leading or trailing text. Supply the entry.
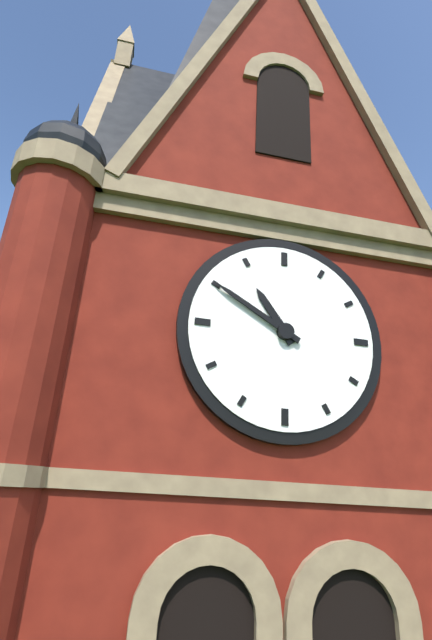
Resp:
10h50
